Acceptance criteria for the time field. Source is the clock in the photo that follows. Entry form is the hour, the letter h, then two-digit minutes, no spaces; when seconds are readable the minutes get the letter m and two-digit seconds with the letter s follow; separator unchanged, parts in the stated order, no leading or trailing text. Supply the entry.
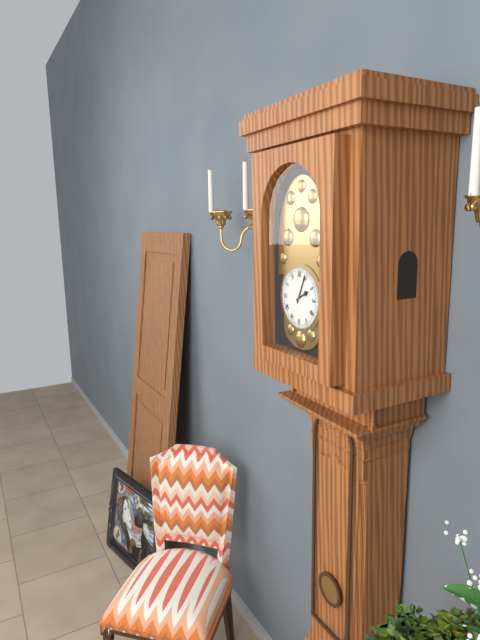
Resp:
2h04
